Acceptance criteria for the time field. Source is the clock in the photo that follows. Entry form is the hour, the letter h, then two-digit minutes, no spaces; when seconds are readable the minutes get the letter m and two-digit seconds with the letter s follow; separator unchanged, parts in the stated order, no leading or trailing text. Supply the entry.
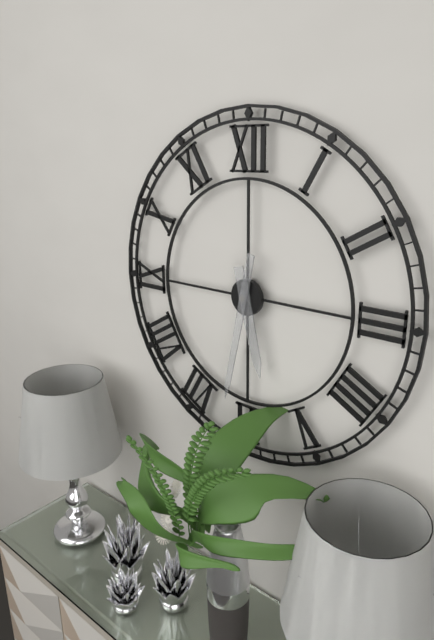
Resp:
5h32
